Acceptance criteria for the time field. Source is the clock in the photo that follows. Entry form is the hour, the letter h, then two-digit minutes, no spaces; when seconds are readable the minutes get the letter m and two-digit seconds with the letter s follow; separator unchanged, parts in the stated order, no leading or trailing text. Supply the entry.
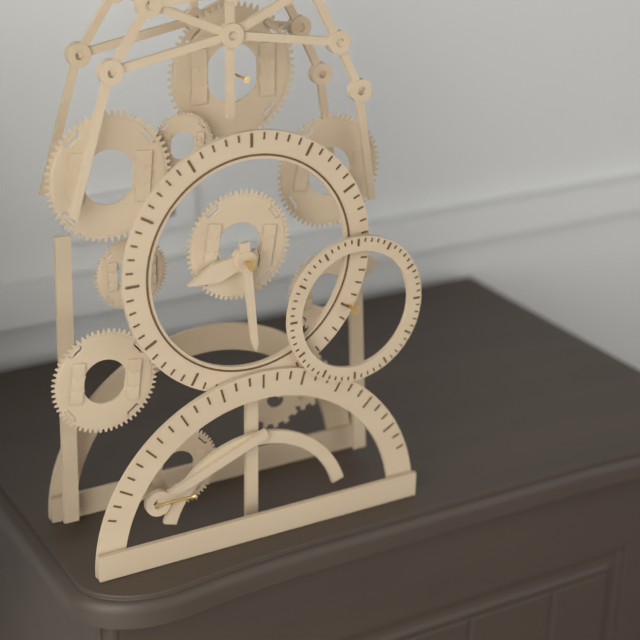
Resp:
8h29
